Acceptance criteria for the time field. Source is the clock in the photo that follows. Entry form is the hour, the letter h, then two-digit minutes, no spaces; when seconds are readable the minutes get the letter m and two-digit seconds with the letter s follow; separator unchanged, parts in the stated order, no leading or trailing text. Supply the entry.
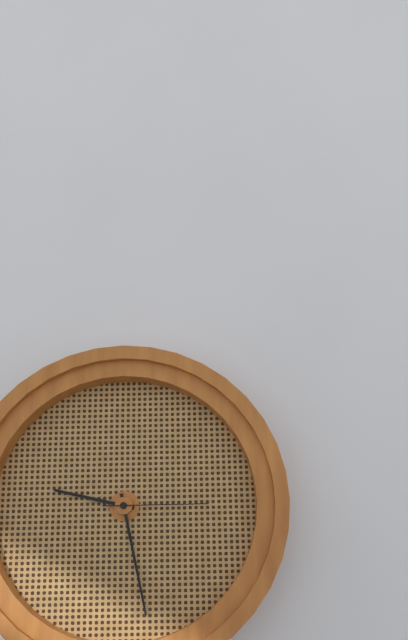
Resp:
9h28m15s
